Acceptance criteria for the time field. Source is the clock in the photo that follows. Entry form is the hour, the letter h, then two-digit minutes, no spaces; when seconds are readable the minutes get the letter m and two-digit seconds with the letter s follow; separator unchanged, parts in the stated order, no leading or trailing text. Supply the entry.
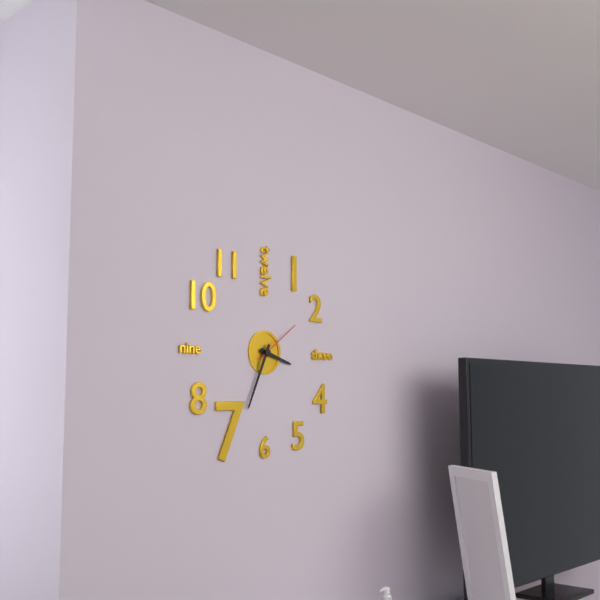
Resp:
3h34
